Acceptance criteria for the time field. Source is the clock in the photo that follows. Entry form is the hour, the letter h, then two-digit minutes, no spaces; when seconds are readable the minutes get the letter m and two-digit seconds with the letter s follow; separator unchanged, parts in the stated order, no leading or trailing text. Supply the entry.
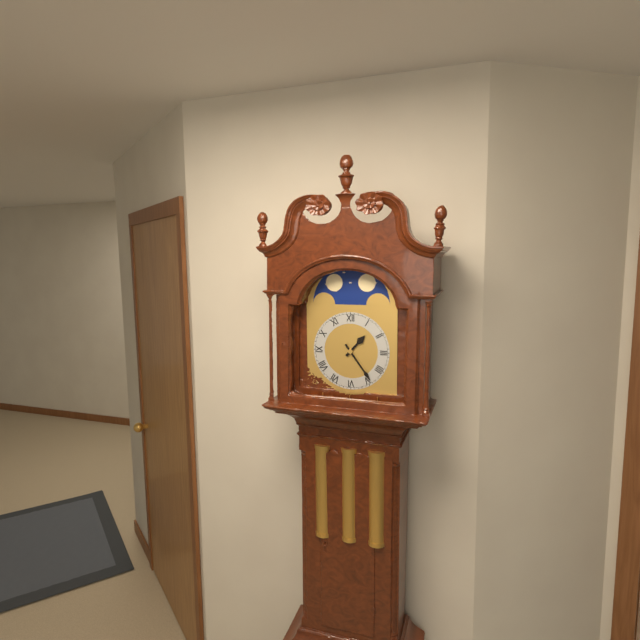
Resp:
1h24
